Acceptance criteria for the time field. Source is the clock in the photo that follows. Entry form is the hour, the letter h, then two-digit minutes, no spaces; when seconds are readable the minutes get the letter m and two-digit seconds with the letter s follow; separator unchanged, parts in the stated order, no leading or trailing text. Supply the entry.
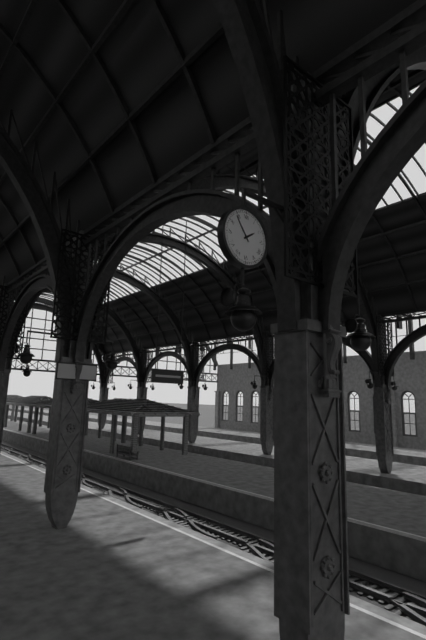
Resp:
1h54
